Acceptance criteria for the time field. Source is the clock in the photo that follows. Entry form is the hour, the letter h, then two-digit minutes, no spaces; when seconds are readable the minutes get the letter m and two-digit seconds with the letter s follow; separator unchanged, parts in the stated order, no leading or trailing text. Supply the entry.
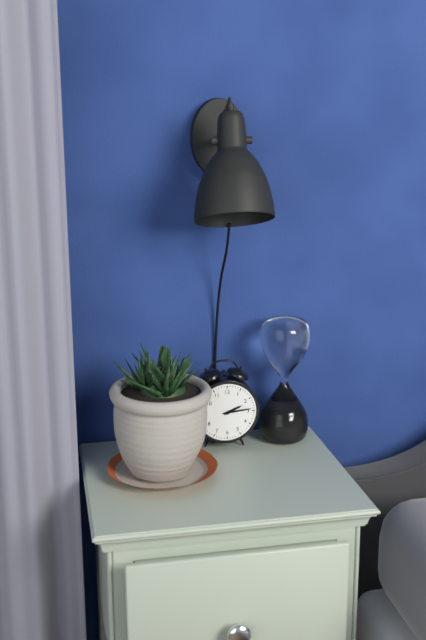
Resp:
2h14
